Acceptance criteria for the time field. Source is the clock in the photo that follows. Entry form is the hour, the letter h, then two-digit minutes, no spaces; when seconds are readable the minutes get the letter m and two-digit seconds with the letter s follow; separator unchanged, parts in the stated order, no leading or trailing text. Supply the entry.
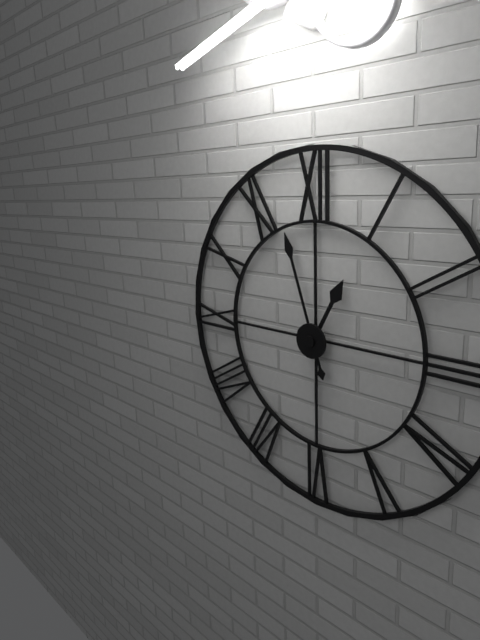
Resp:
12h57
